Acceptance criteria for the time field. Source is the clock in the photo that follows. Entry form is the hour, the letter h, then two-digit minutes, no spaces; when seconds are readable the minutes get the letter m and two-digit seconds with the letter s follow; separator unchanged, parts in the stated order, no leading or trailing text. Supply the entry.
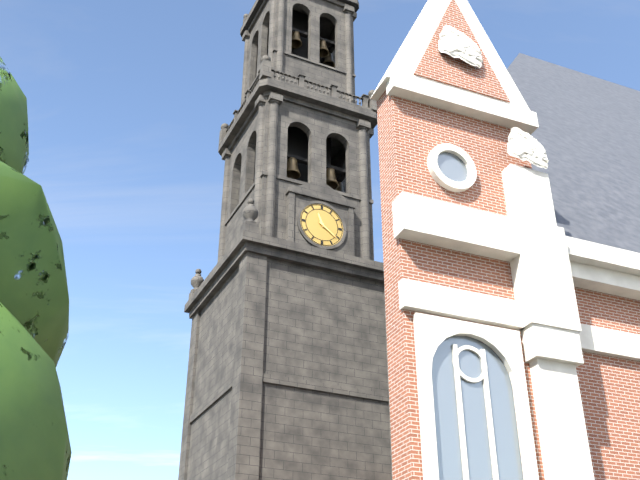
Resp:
11h21
